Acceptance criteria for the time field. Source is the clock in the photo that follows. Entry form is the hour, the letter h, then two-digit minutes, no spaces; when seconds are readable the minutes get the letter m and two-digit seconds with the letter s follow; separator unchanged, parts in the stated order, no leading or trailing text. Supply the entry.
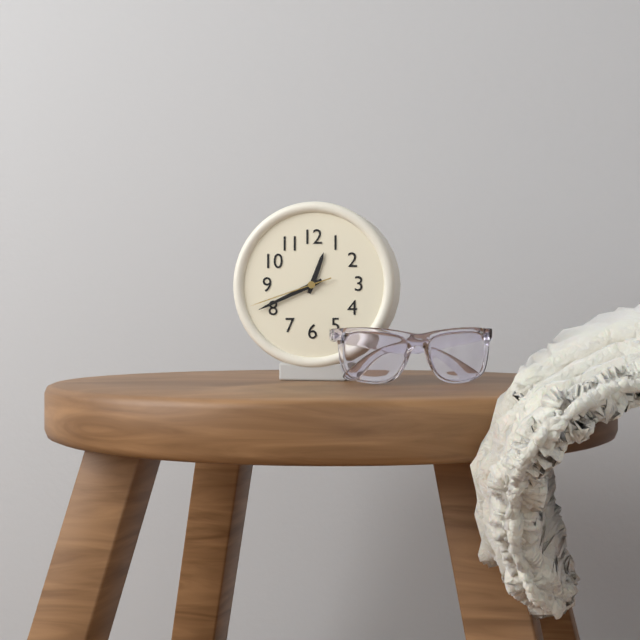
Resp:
12h41m42s
